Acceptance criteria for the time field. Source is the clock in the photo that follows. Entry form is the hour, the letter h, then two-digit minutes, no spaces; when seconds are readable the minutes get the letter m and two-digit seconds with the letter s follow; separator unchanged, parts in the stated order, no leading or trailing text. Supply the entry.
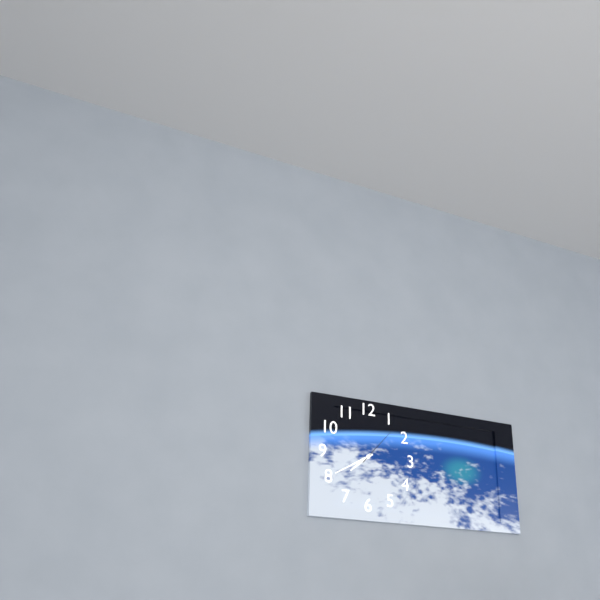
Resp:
7h40
